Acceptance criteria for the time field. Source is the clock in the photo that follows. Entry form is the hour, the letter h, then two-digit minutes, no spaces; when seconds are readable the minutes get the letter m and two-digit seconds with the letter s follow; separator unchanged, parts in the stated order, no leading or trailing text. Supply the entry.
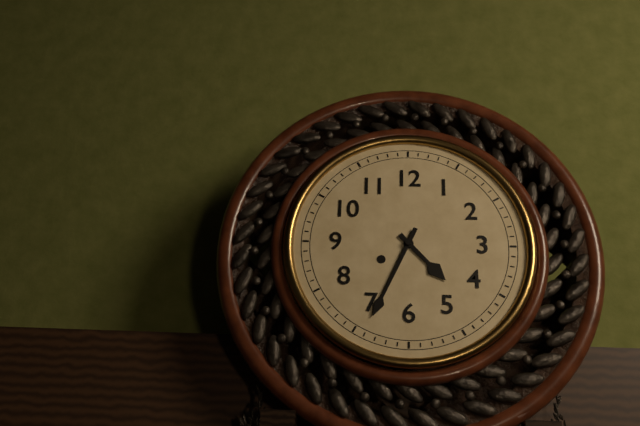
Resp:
4h34
